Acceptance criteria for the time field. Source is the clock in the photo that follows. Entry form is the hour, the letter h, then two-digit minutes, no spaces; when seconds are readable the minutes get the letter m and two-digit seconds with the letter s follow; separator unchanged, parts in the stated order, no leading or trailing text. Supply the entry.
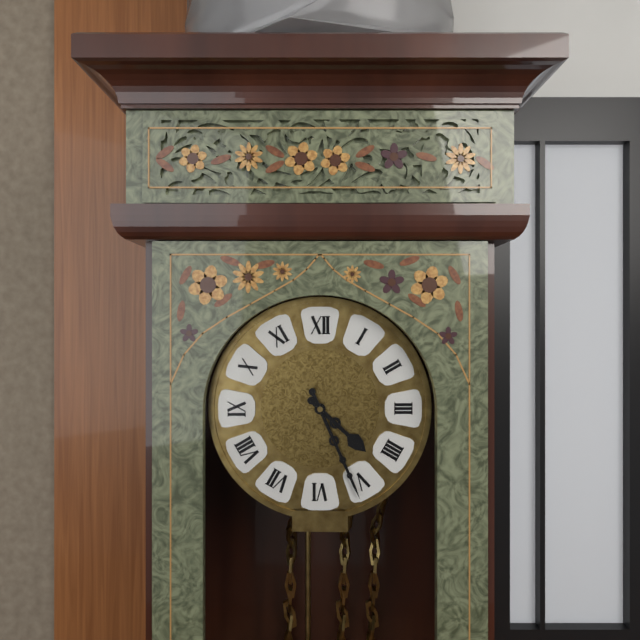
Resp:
4h26
